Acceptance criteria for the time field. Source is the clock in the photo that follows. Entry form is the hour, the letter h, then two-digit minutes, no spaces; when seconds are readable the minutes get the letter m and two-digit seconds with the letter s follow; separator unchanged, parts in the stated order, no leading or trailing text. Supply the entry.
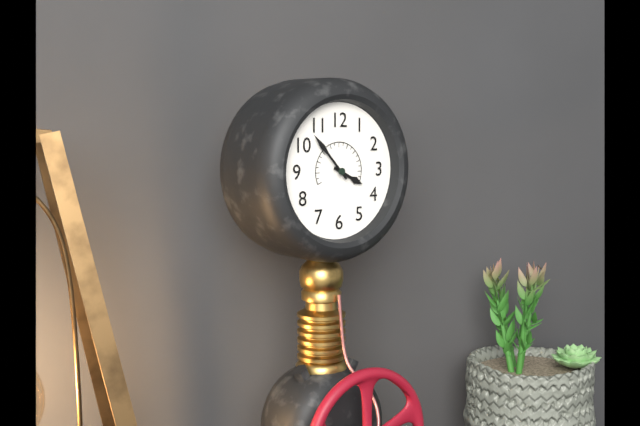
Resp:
3h53
